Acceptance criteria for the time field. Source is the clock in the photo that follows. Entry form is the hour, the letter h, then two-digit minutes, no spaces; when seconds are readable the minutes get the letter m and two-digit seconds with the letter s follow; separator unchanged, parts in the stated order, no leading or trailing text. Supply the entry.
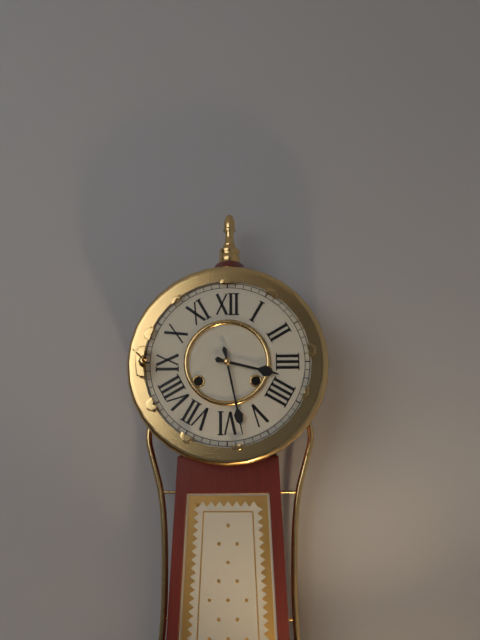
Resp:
3h28
